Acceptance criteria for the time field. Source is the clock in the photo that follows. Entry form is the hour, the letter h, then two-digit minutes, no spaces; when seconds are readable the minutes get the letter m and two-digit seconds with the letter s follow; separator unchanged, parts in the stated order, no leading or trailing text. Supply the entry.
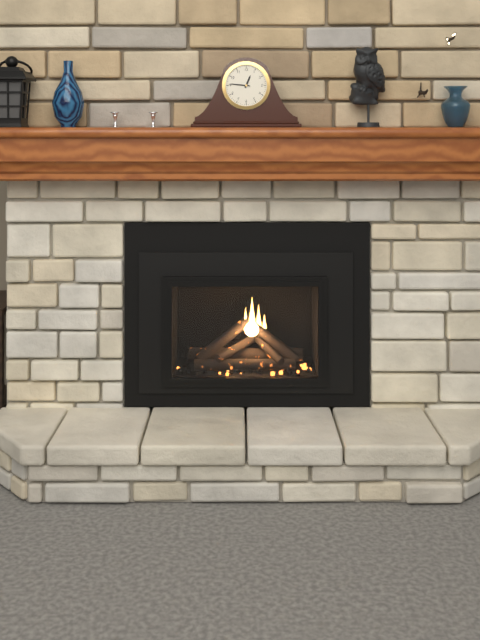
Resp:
12h46
